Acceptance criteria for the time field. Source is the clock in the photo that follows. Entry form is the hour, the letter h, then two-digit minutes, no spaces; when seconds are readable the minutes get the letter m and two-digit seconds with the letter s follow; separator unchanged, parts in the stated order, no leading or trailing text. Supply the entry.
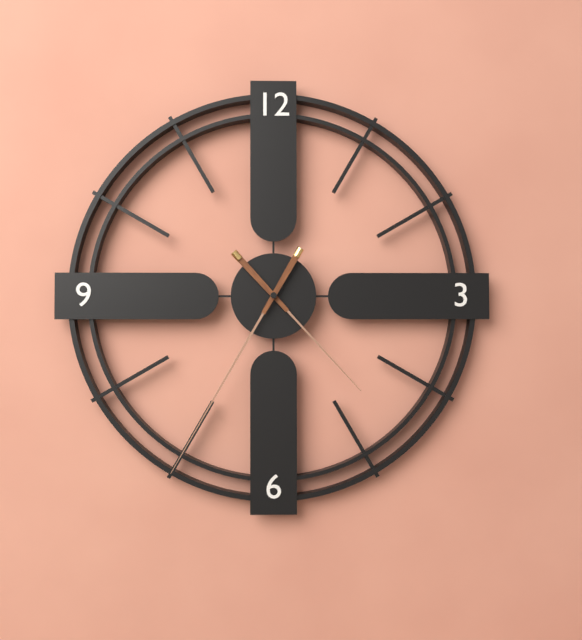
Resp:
4h35
